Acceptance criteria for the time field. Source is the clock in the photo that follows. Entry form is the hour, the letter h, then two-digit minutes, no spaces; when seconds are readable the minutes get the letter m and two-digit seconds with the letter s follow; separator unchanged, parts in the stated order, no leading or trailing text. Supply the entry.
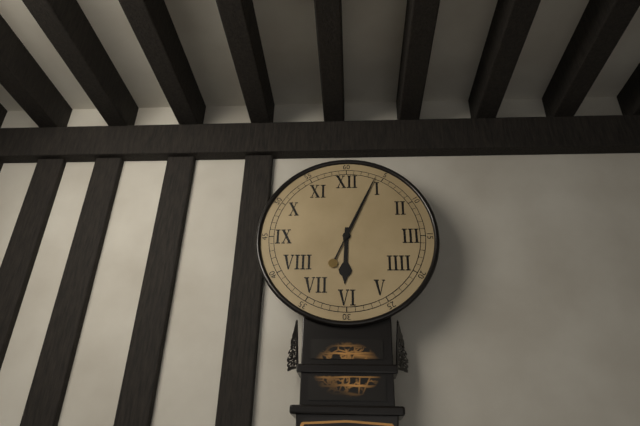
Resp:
6h04
